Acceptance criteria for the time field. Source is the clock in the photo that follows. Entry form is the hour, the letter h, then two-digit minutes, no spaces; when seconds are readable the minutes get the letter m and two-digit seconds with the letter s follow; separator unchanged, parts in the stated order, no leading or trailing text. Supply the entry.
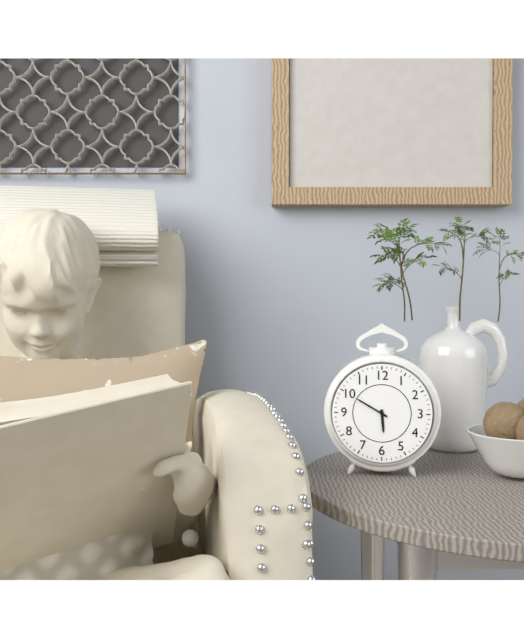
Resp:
5h50
